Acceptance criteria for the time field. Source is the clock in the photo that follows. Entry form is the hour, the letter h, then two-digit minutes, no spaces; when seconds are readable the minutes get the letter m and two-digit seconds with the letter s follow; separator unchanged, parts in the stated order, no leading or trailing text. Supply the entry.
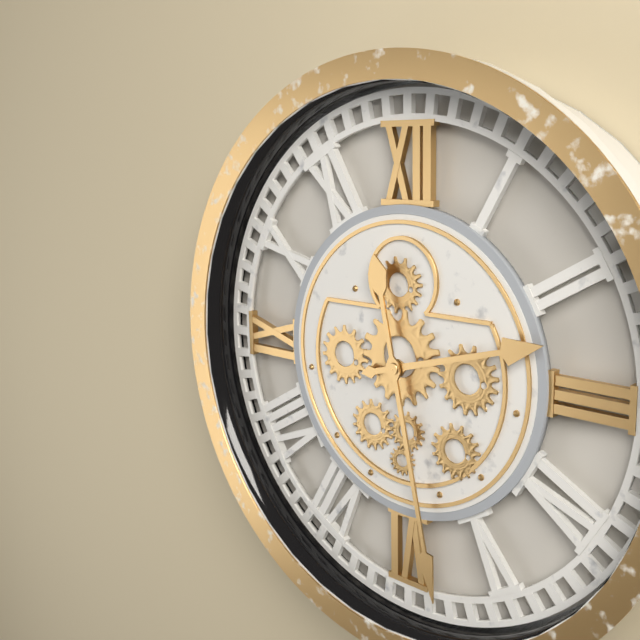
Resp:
2h28
